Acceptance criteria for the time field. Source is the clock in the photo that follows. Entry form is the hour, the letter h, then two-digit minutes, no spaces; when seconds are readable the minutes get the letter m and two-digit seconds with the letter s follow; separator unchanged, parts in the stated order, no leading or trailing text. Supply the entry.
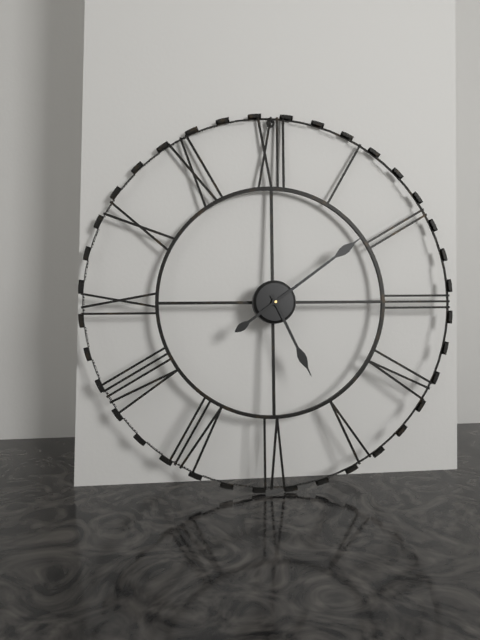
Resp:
5h09
